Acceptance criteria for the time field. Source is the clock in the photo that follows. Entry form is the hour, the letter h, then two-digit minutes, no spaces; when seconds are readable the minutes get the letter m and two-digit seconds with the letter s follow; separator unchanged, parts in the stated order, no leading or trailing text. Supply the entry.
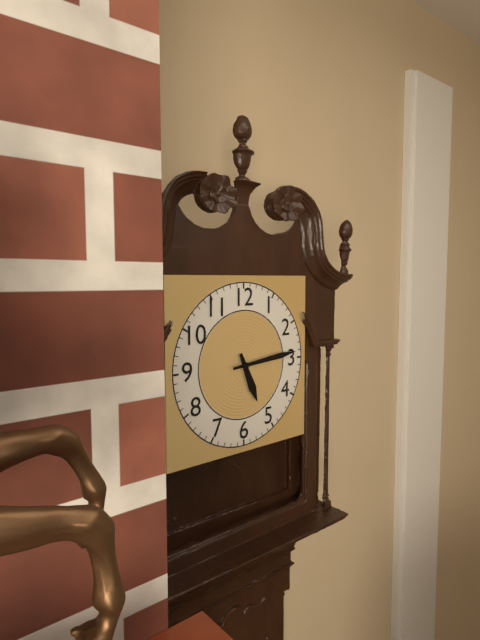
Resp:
5h14
